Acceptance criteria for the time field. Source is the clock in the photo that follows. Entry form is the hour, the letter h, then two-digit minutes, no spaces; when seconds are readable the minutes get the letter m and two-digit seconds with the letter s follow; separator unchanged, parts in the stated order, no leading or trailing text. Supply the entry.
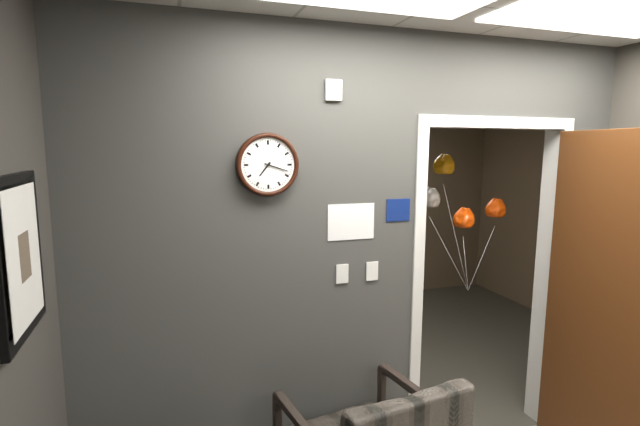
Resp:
7h18
